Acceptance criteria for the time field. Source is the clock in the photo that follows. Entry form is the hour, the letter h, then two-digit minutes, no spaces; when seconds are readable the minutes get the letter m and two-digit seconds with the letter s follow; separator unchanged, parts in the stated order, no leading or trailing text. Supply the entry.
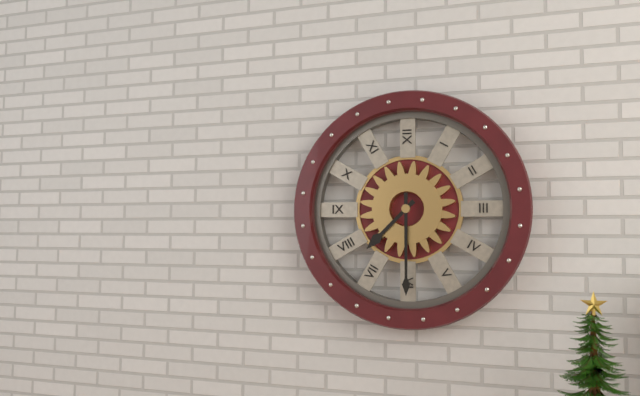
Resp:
7h30
